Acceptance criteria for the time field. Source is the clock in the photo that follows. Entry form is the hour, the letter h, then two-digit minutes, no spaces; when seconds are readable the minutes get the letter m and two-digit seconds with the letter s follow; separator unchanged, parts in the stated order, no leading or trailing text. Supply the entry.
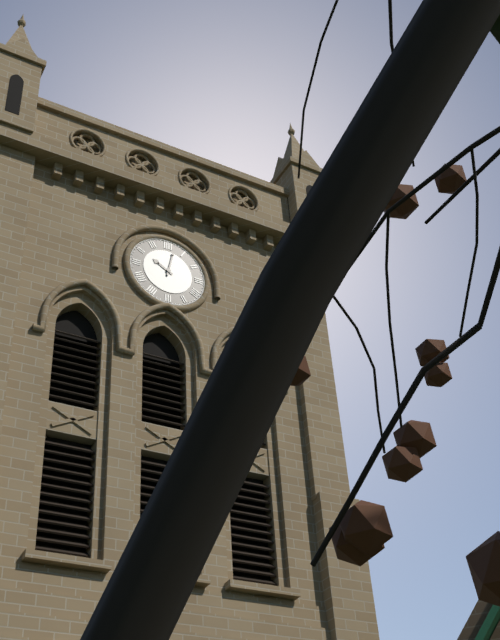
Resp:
10h02
